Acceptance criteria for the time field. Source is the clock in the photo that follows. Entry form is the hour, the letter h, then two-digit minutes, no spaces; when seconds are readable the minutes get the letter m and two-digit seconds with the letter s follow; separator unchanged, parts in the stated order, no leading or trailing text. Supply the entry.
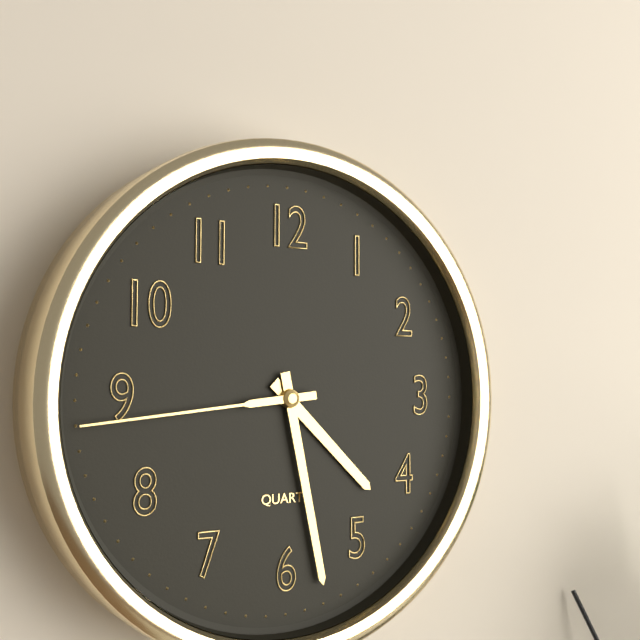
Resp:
4h28m44s
